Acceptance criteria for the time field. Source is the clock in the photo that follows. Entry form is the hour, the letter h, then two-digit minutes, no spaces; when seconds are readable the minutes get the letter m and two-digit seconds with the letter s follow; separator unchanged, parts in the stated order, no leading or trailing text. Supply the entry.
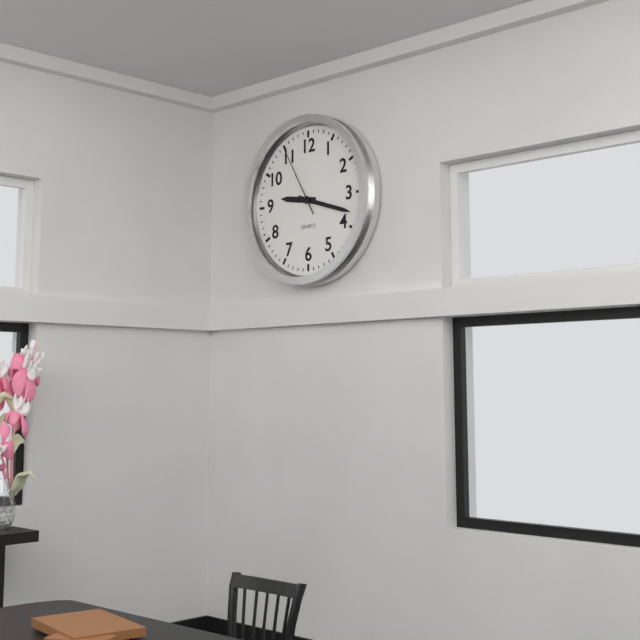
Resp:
9h18m55s
